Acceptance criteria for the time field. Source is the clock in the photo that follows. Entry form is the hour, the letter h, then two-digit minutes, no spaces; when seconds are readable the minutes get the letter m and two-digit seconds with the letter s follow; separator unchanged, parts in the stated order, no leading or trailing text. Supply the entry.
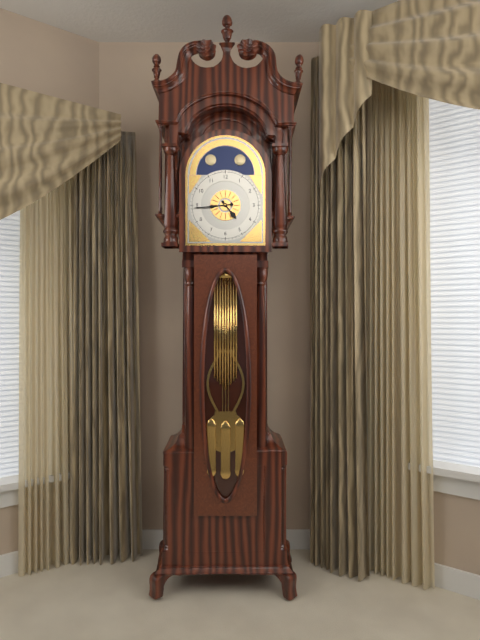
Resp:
4h44
